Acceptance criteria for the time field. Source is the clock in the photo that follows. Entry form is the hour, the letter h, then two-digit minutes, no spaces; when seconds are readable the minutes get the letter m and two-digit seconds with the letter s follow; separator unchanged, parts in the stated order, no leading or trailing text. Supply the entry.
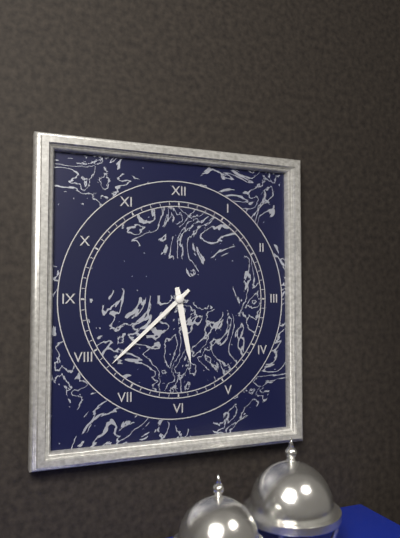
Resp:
5h38
